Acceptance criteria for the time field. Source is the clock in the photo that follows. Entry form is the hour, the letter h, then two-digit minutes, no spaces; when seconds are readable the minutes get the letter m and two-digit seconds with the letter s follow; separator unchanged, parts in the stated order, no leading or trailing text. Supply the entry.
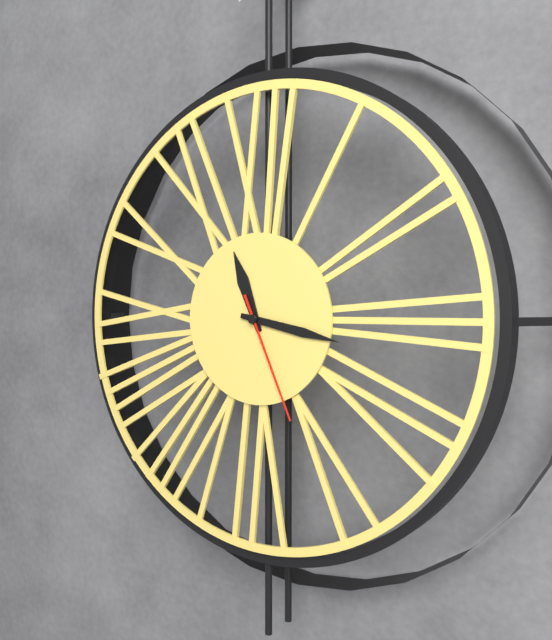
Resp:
11h17m26s
